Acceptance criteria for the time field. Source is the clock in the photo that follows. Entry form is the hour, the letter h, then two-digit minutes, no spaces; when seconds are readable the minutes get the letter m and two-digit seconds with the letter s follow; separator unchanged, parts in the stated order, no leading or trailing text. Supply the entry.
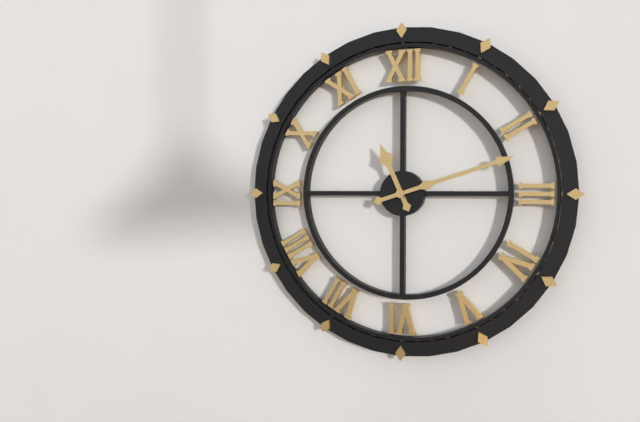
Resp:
11h12
